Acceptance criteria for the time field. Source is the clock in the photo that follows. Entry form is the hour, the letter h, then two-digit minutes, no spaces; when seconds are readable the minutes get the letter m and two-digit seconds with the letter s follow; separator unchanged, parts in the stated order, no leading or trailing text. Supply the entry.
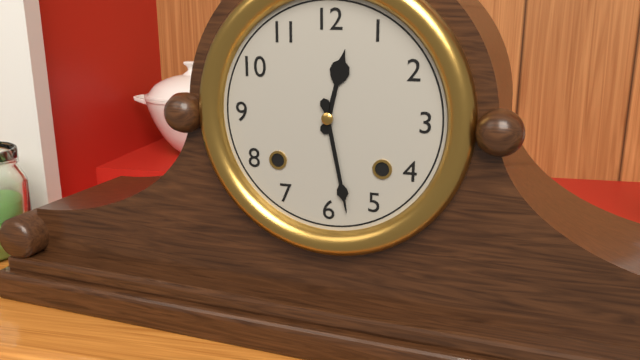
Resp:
12h28
